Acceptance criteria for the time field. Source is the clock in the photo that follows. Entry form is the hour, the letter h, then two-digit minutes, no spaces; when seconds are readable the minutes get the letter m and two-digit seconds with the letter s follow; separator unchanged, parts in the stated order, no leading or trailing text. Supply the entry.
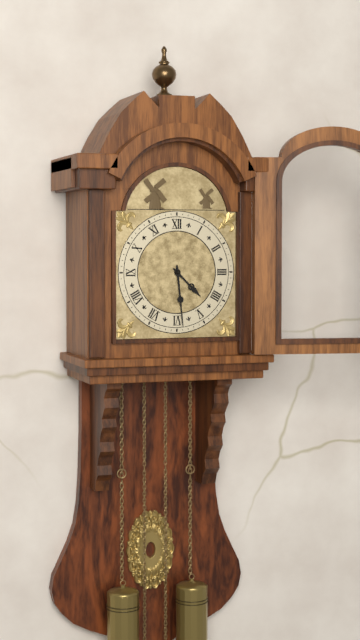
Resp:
4h29
